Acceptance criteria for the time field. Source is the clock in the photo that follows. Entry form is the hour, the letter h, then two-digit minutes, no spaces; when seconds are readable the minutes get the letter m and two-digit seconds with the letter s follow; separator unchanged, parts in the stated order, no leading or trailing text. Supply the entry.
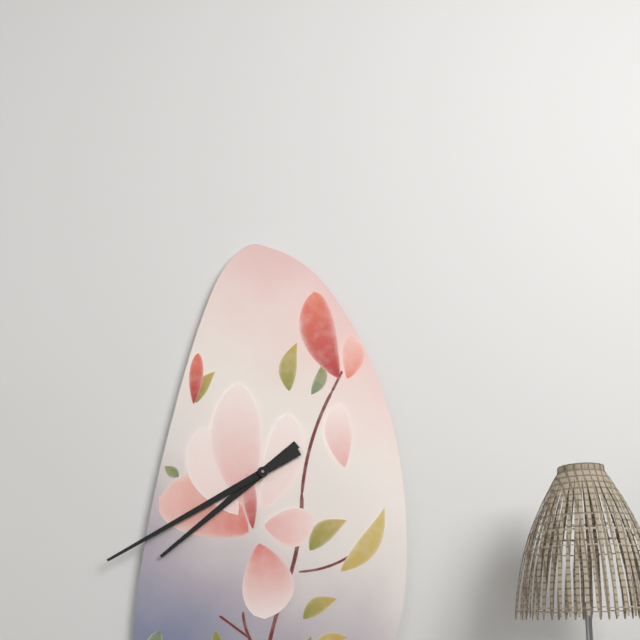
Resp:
7h40
